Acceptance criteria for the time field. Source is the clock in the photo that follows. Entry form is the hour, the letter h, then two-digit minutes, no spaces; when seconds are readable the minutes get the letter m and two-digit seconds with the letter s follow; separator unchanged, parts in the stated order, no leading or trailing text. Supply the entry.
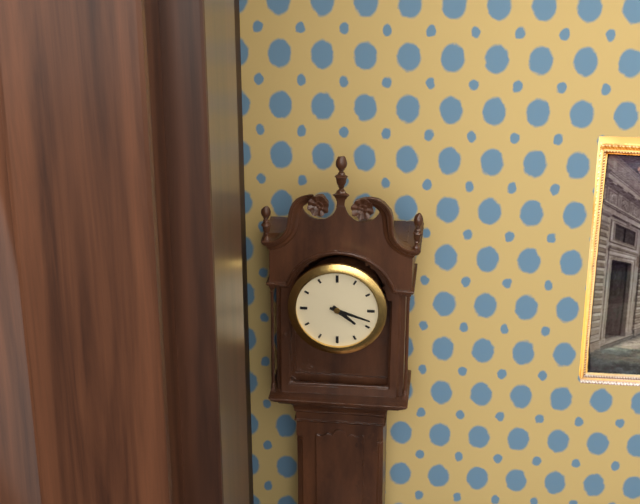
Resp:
4h18
